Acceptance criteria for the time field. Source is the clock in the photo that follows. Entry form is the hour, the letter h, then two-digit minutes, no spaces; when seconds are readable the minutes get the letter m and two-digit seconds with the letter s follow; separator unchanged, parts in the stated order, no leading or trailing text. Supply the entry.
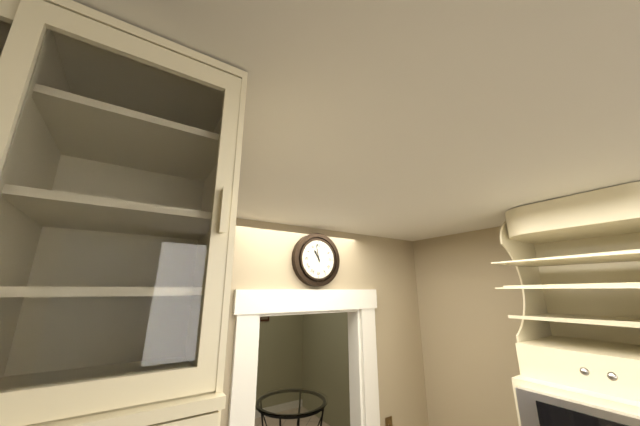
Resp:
10h58
